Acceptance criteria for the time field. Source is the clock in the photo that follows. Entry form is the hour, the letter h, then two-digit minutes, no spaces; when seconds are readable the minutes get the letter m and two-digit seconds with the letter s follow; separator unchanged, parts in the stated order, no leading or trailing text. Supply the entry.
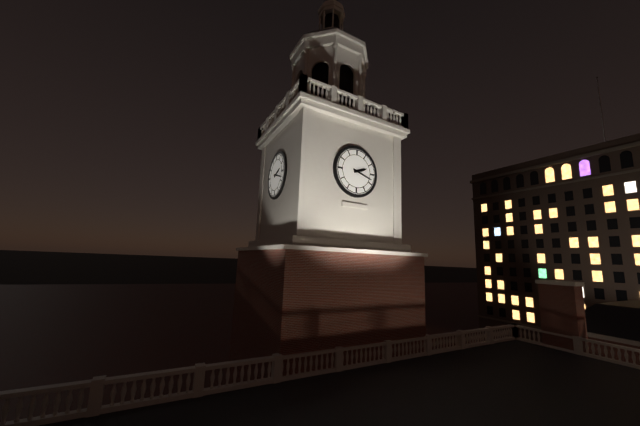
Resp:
2h18
